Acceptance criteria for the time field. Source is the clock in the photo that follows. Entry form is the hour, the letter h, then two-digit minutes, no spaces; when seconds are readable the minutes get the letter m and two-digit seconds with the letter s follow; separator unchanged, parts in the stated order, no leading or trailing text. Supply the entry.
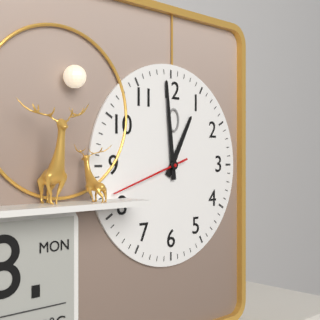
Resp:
12h59m42s
